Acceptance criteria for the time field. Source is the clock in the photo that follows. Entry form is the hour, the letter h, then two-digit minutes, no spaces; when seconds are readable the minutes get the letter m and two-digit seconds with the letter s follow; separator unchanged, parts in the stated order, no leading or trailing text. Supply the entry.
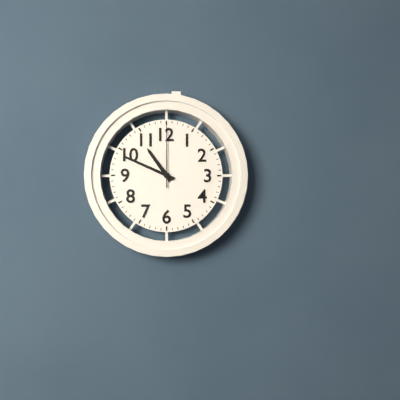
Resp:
10h49m00s
